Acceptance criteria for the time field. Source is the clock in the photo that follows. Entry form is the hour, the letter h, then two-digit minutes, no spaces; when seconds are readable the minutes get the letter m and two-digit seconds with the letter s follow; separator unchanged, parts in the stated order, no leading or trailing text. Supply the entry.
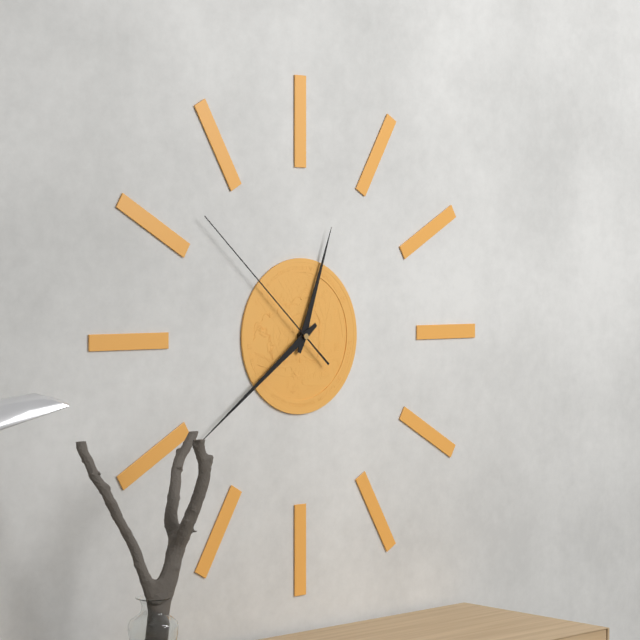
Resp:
12h39m52s
